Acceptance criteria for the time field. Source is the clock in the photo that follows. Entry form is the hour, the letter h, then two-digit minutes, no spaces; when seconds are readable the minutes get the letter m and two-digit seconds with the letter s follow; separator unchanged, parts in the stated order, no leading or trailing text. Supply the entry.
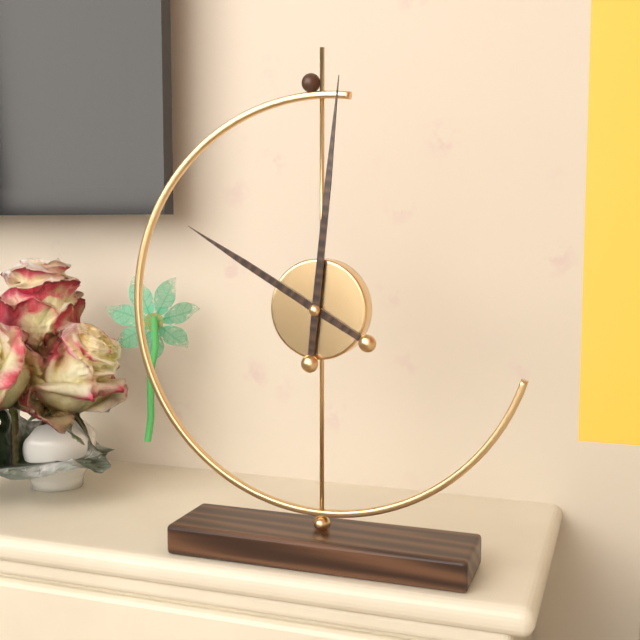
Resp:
10h01
